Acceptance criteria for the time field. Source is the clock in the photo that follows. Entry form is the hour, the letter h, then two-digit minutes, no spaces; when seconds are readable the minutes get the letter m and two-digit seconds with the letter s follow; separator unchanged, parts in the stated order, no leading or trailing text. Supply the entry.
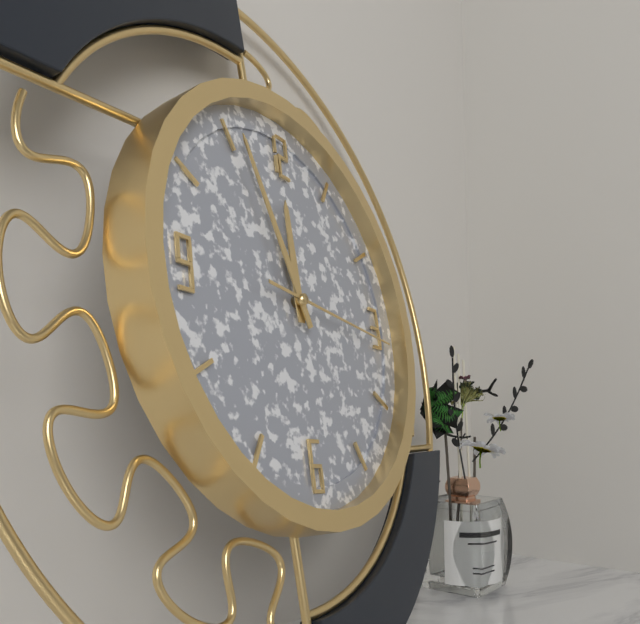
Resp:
11h56m16s
